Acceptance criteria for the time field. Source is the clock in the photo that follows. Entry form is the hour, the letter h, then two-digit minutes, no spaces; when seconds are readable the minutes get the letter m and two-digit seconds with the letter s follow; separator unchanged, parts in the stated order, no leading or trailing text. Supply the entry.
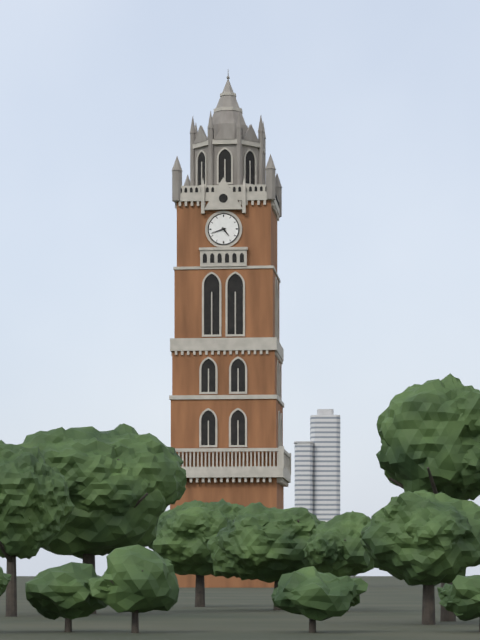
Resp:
4h42
